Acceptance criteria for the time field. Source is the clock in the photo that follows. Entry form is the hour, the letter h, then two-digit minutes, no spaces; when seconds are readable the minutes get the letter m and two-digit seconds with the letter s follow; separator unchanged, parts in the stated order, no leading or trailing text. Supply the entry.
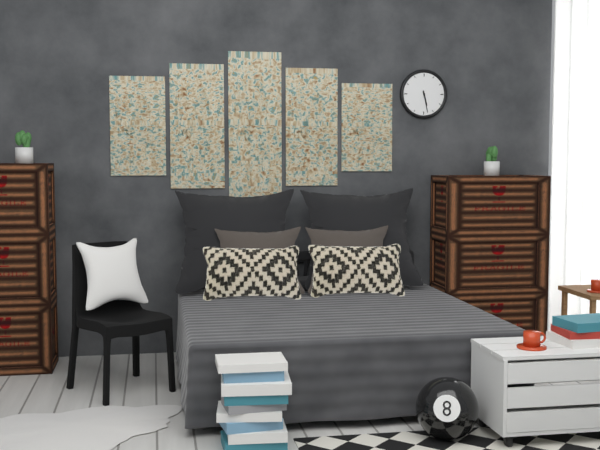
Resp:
5h28
